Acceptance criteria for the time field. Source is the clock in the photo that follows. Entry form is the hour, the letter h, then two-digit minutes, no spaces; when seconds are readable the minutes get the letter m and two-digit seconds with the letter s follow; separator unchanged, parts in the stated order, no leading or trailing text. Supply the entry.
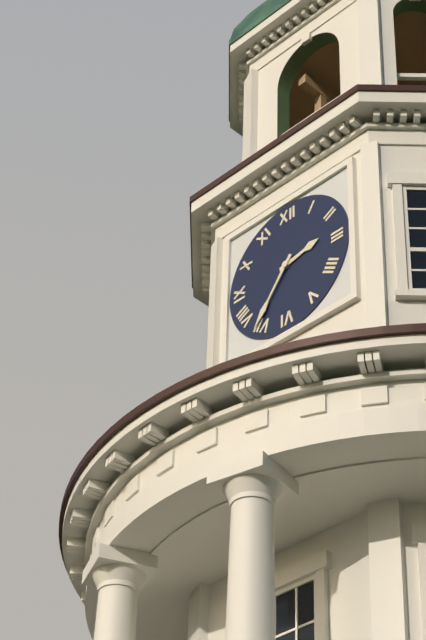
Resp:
2h36
